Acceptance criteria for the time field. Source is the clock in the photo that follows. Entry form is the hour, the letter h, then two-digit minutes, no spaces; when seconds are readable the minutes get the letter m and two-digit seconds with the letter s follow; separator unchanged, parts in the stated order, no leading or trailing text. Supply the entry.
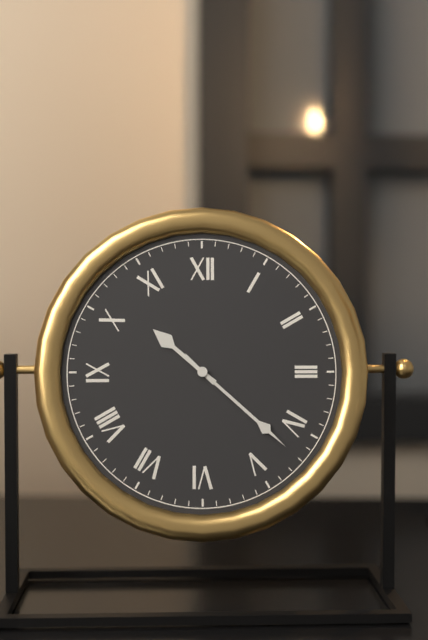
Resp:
10h22
